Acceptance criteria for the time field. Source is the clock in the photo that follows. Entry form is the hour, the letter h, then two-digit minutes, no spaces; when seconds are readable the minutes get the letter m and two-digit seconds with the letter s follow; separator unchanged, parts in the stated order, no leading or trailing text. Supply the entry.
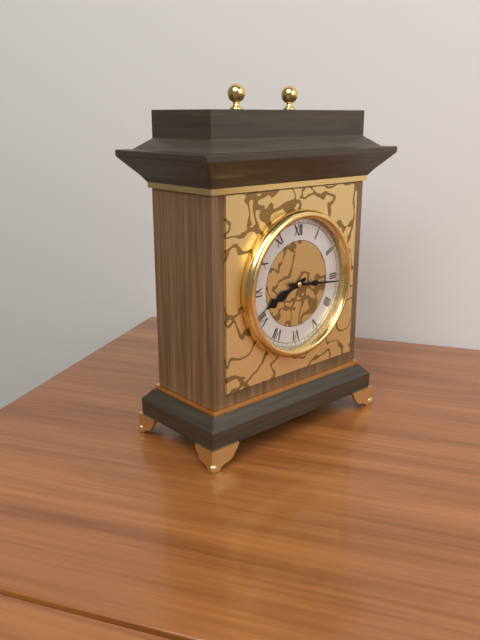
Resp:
8h16
